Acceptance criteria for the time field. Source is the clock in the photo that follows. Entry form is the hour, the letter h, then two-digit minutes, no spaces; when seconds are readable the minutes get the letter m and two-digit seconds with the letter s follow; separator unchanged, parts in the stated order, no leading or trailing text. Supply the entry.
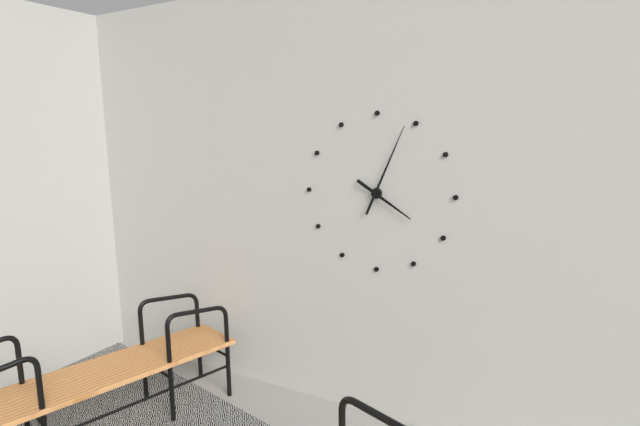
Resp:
4h04
